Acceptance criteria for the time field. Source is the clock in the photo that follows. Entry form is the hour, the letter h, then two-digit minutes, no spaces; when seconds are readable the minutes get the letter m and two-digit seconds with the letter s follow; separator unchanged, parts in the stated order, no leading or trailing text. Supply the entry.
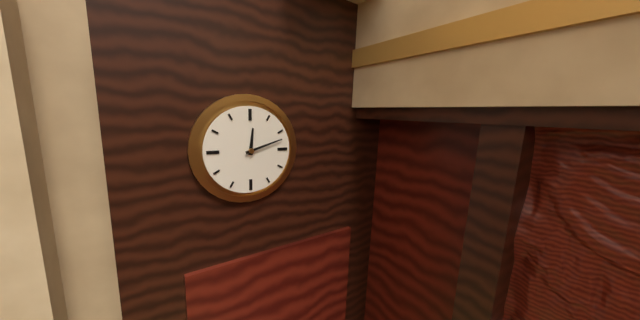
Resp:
12h12
